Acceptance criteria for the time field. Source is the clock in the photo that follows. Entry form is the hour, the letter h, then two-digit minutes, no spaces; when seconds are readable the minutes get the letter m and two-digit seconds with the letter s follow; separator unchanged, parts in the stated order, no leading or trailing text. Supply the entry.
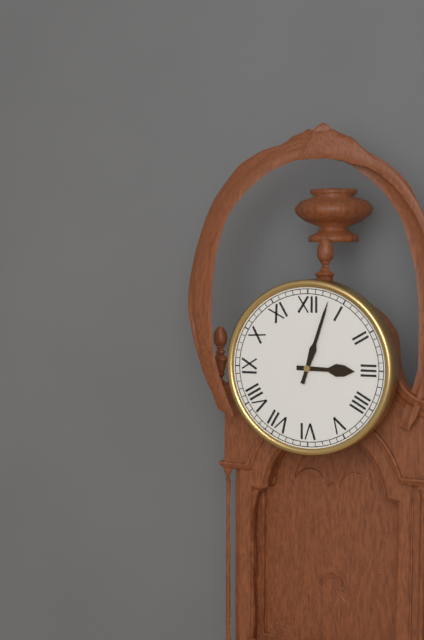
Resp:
3h03
